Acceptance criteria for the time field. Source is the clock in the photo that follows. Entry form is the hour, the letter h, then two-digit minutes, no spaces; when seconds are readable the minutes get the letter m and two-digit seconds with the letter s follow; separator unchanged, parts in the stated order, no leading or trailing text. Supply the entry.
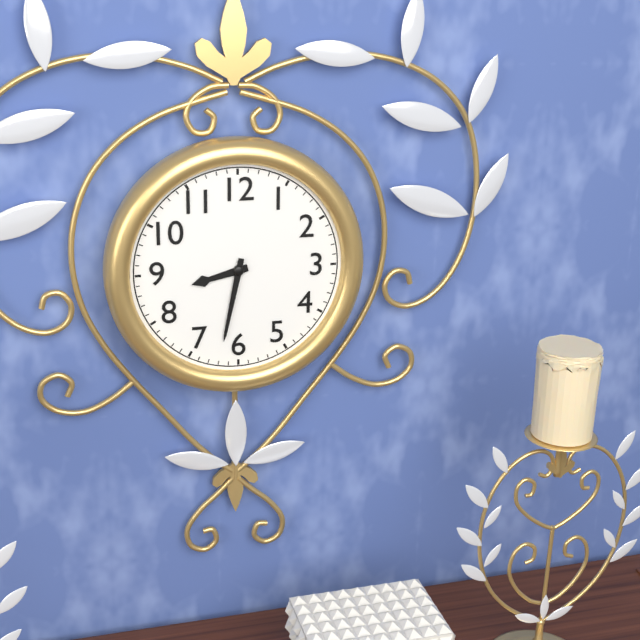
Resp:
8h32
